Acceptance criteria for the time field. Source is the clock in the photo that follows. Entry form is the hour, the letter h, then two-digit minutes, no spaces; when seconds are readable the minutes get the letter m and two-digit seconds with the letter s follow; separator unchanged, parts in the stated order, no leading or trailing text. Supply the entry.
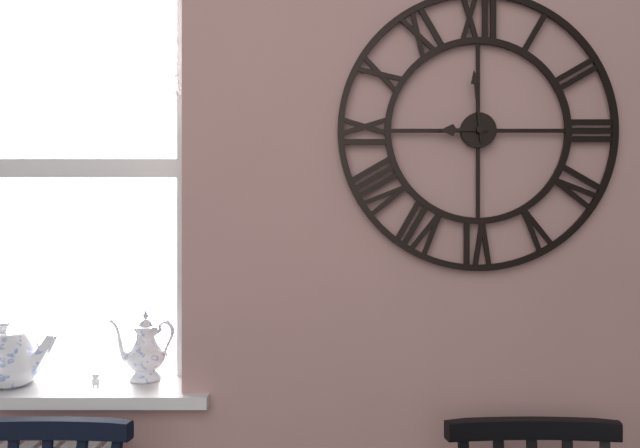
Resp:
8h59
